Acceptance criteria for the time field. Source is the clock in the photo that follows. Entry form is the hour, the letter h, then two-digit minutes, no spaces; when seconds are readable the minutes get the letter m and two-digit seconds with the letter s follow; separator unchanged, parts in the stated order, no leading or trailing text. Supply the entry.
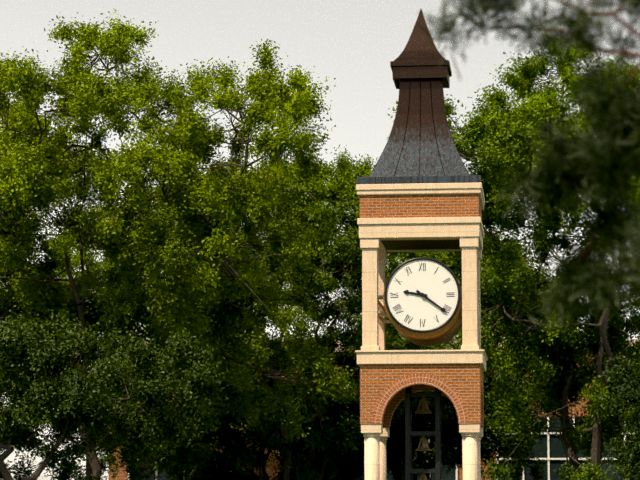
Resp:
9h21
